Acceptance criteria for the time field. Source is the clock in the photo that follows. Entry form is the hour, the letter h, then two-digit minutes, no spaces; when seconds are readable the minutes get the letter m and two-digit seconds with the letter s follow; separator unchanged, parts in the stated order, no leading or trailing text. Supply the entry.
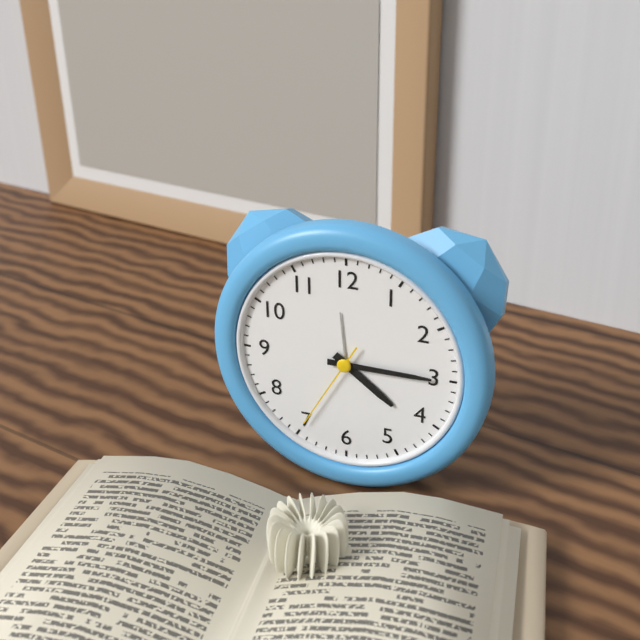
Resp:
4h15m35s
